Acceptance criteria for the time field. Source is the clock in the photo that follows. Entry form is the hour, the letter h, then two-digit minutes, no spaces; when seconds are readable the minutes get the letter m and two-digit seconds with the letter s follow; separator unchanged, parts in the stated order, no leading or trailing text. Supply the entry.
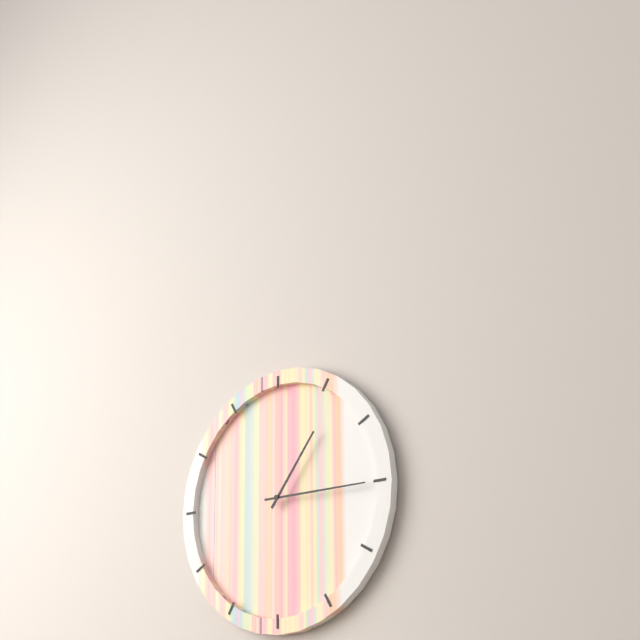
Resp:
1h15
